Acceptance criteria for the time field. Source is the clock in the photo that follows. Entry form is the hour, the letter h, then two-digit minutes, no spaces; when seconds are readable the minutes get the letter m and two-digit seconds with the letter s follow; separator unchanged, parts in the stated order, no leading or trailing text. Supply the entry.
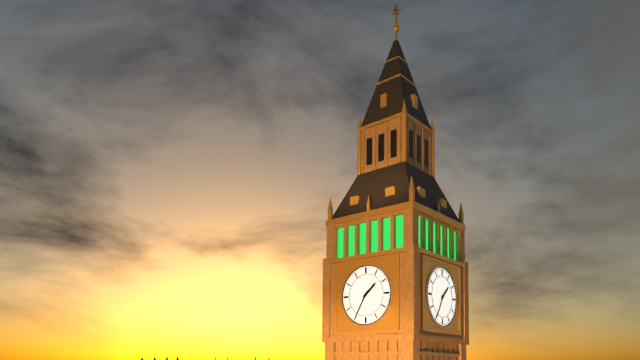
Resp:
1h35
